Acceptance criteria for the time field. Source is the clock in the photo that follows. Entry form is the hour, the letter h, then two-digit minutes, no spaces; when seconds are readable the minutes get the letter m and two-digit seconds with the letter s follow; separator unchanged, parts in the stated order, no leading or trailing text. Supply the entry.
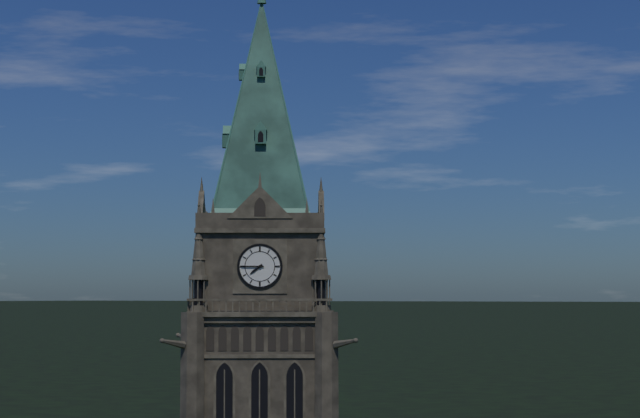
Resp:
7h45
